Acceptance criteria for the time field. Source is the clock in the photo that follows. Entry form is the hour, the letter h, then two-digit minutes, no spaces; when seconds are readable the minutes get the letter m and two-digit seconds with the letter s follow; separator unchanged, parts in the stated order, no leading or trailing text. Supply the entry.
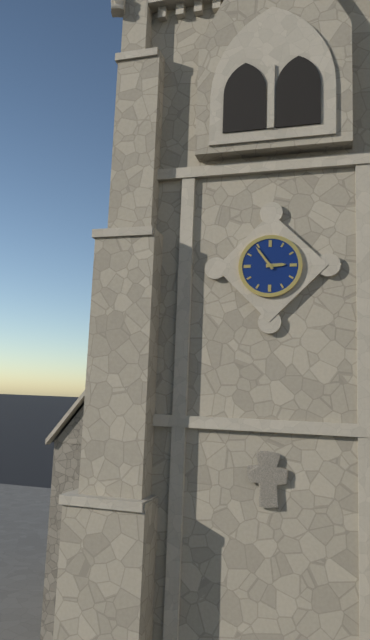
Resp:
2h54
